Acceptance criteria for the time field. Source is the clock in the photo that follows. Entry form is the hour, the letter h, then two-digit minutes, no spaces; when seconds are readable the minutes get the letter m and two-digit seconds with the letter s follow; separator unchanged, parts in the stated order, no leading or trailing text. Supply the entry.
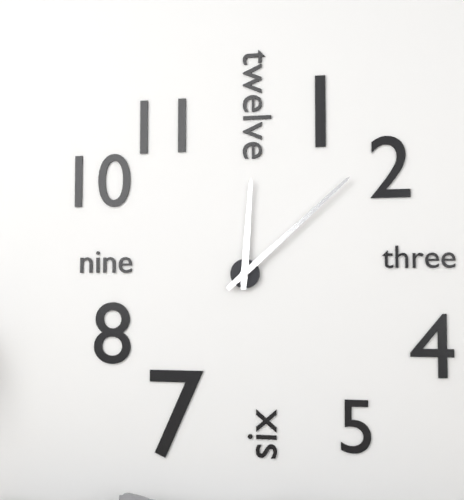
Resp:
12h08
